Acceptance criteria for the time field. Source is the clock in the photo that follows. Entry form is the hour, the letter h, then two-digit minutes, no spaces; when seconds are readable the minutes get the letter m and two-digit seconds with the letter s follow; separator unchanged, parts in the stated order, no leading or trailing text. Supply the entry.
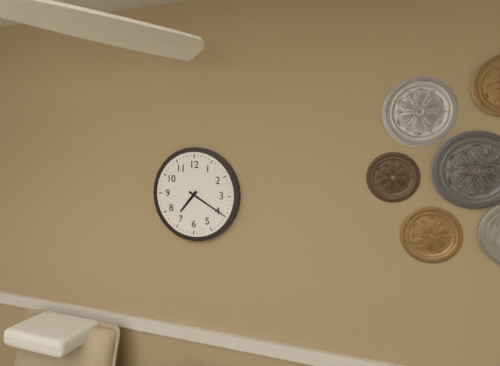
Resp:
7h20
